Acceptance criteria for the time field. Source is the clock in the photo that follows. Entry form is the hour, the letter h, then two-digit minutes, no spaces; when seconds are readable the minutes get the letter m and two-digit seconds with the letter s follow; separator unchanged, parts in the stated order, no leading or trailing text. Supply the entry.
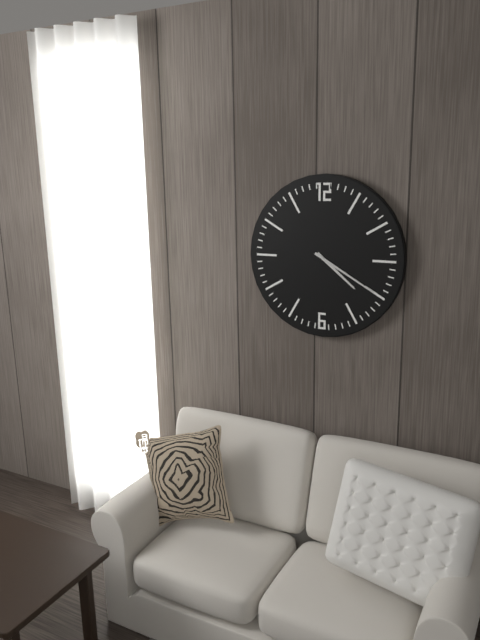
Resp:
4h20
